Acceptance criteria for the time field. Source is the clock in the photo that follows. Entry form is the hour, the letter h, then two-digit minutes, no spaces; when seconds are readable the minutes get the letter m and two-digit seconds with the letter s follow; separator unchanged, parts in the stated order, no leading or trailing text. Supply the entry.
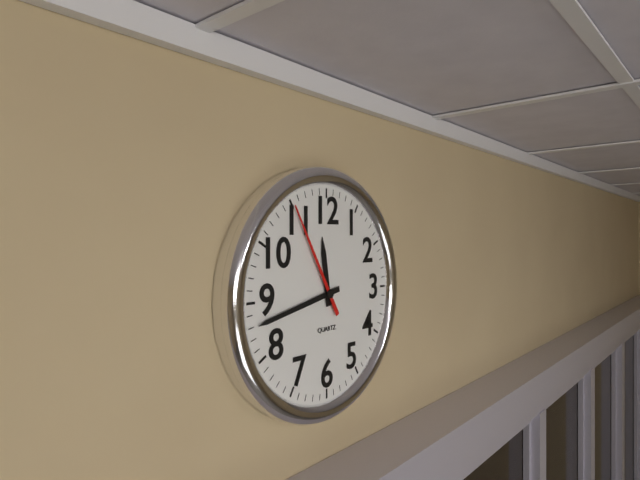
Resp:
11h43m55s
